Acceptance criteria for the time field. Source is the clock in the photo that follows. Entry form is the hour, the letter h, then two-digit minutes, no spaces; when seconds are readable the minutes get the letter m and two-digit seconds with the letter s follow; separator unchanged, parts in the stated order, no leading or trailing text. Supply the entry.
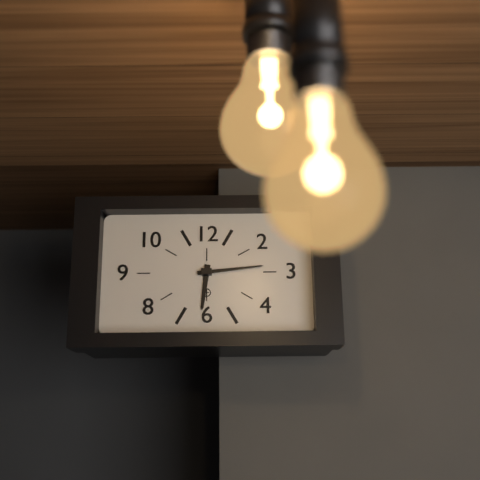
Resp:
6h14
